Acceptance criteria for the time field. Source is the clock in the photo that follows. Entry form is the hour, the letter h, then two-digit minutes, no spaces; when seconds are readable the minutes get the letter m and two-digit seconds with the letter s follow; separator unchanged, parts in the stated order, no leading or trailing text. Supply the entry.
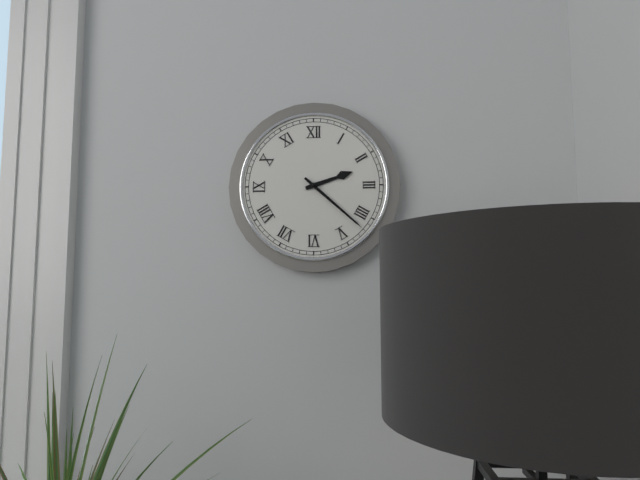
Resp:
2h22
